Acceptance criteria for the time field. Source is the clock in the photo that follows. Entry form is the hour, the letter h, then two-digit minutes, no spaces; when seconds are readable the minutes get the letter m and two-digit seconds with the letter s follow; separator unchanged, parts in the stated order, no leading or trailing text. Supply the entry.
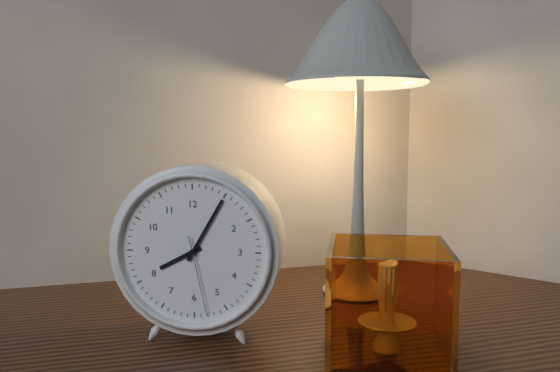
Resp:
8h05m28s
